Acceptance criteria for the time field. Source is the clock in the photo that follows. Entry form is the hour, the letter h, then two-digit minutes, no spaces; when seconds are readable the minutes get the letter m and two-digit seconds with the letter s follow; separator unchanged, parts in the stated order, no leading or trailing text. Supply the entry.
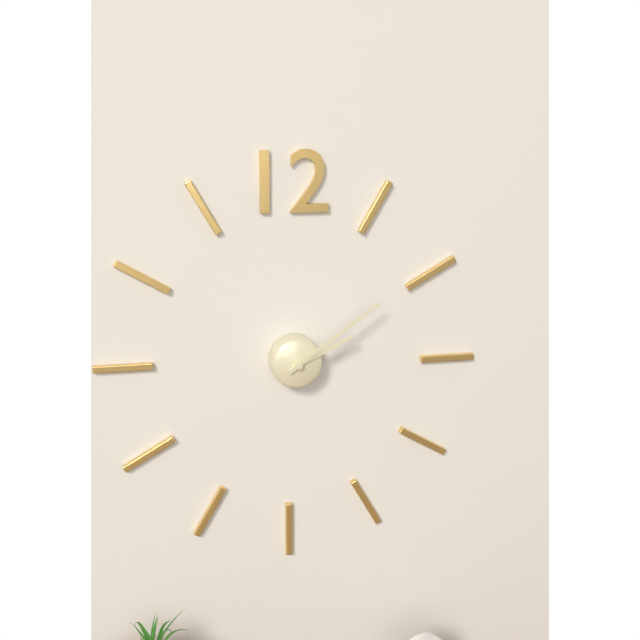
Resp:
2h09
